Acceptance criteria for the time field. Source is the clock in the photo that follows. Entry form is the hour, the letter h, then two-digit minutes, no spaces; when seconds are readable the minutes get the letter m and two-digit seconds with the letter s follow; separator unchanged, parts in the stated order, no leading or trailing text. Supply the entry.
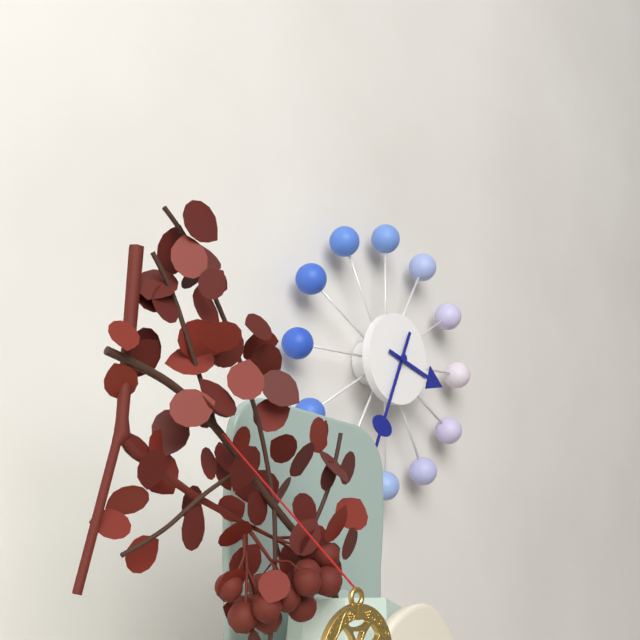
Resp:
3h34
